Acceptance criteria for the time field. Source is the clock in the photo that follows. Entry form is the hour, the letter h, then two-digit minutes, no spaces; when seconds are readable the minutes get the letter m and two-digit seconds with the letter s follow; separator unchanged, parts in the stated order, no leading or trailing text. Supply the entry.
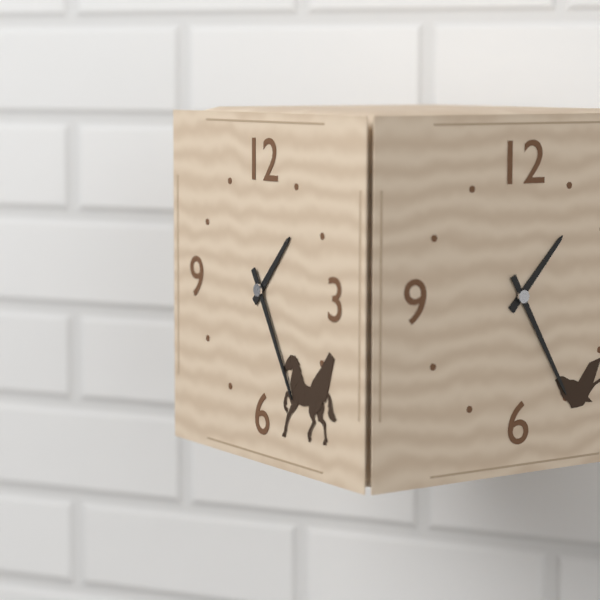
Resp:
1h25
